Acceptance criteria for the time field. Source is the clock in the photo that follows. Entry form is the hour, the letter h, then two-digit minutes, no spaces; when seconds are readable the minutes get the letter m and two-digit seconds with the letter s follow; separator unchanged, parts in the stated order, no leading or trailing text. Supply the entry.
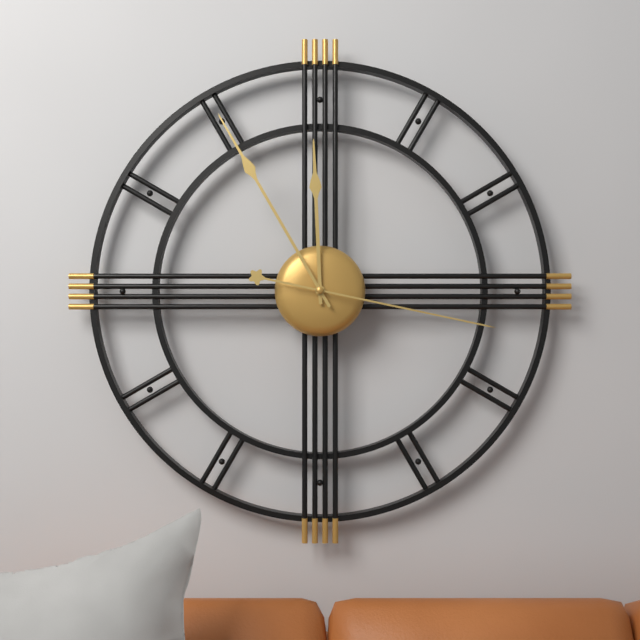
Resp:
11h55m17s
